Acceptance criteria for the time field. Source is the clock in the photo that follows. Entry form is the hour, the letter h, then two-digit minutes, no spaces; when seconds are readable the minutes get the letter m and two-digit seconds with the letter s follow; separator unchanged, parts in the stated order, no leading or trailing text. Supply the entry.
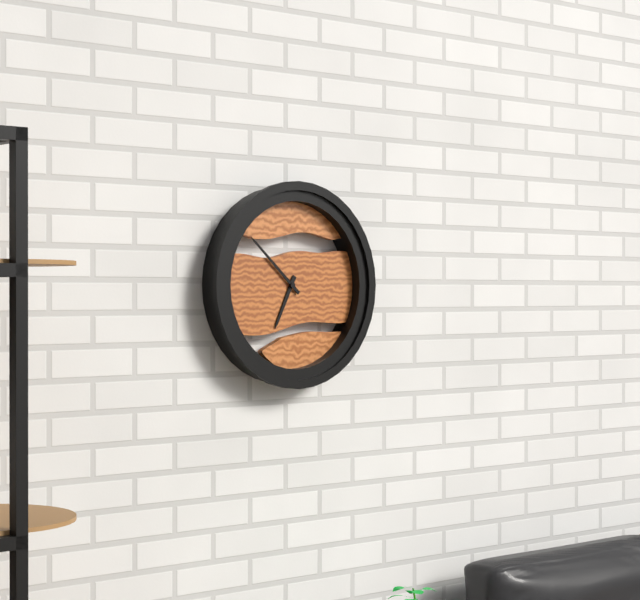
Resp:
6h52
